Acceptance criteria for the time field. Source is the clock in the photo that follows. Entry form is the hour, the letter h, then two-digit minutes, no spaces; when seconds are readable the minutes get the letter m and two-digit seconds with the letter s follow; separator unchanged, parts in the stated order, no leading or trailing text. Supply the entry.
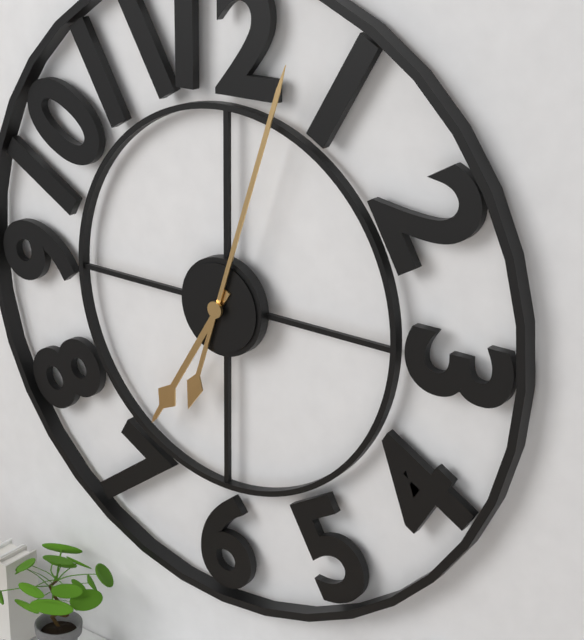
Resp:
7h03
